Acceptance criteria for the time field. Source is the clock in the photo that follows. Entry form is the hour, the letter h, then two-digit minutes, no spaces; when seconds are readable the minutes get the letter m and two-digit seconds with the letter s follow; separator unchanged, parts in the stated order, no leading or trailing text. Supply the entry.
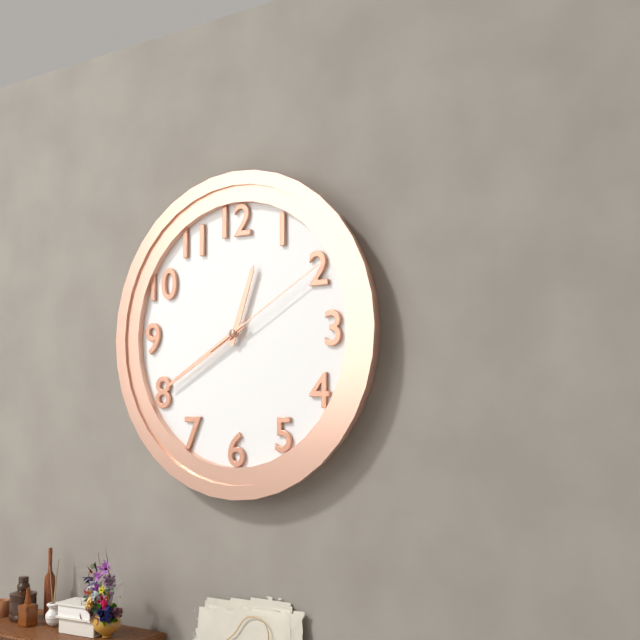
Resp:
12h40m10s
